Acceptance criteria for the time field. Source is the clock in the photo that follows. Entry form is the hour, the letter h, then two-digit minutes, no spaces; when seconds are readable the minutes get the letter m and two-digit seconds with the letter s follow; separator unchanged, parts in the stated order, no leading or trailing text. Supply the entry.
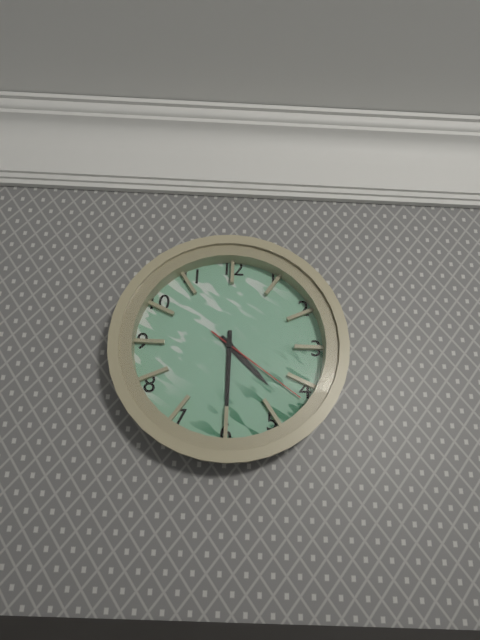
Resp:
4h30m21s
